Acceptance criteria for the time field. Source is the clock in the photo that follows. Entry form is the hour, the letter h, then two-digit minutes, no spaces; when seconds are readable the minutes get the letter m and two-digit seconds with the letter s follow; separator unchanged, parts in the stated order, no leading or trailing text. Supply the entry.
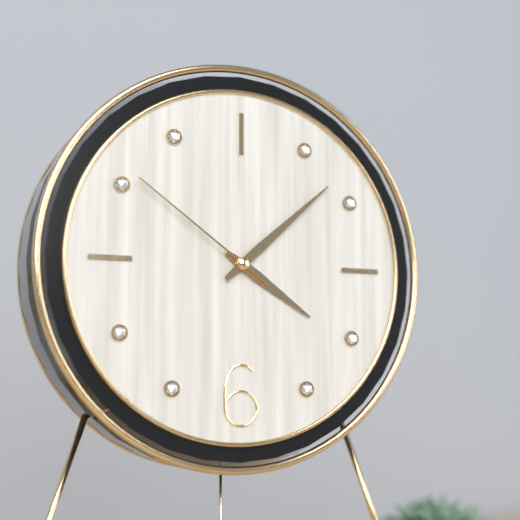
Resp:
4h08m51s
